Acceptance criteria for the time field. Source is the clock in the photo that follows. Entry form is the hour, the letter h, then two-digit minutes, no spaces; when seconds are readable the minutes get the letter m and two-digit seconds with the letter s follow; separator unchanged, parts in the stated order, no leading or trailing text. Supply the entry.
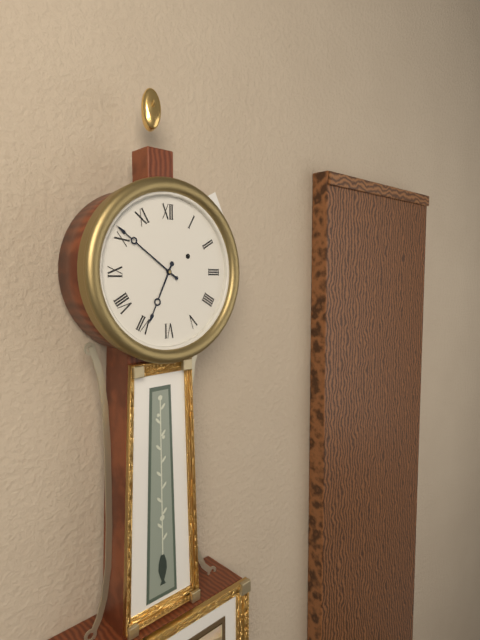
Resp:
6h51
